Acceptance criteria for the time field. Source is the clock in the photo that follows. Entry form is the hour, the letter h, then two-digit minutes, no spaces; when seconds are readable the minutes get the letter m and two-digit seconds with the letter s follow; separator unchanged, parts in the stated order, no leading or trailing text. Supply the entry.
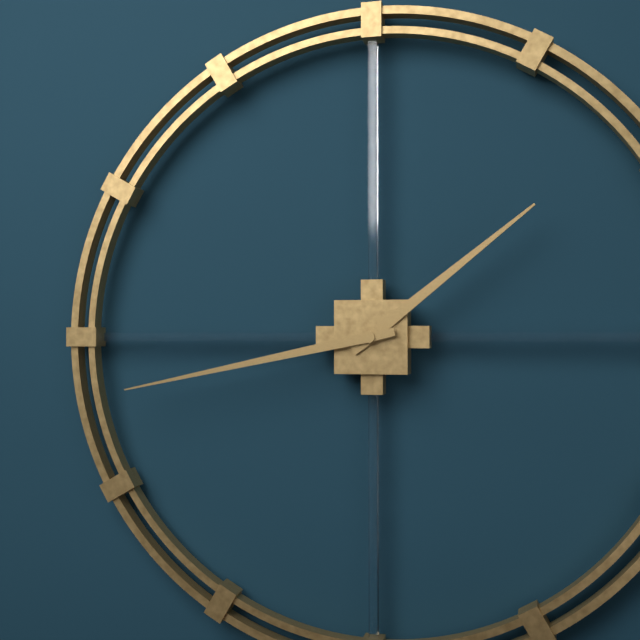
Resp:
1h43
